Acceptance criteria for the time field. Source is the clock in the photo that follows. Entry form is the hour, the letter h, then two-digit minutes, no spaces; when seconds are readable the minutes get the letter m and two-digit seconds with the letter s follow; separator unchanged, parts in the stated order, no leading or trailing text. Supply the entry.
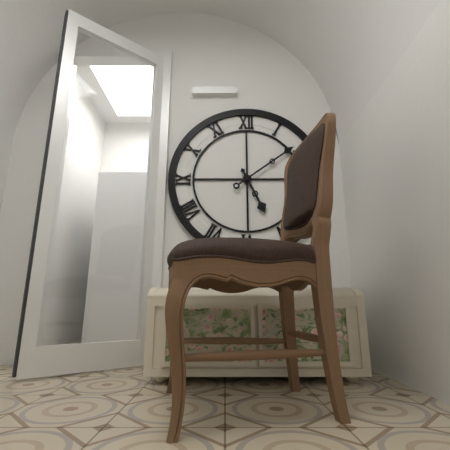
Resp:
5h09
